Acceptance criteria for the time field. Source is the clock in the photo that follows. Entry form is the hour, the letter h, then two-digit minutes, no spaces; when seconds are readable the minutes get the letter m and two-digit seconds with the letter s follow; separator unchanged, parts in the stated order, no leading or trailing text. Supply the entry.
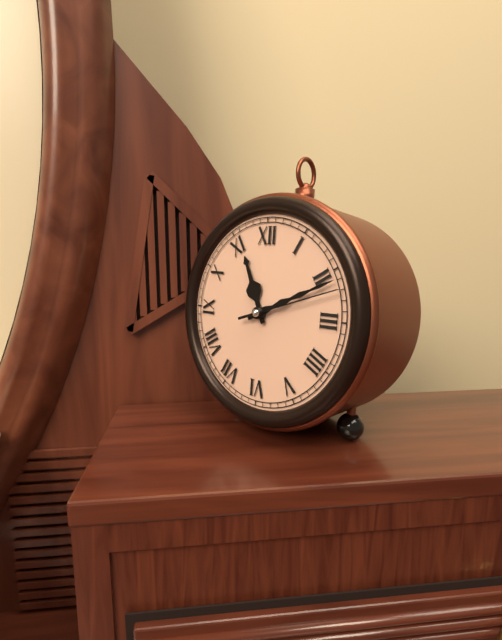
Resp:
11h11m12s
